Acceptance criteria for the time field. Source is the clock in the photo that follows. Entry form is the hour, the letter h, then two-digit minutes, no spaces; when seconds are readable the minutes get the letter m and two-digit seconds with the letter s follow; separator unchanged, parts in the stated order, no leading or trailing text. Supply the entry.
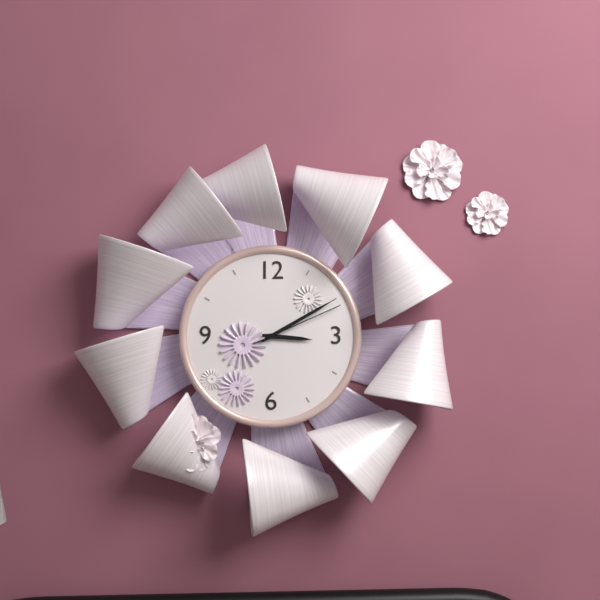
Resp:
3h10m11s
